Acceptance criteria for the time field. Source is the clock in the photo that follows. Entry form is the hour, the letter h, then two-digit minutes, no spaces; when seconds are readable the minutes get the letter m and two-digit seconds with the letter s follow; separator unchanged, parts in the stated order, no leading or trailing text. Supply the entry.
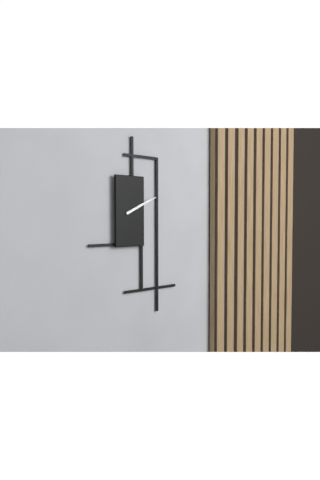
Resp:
2h11
